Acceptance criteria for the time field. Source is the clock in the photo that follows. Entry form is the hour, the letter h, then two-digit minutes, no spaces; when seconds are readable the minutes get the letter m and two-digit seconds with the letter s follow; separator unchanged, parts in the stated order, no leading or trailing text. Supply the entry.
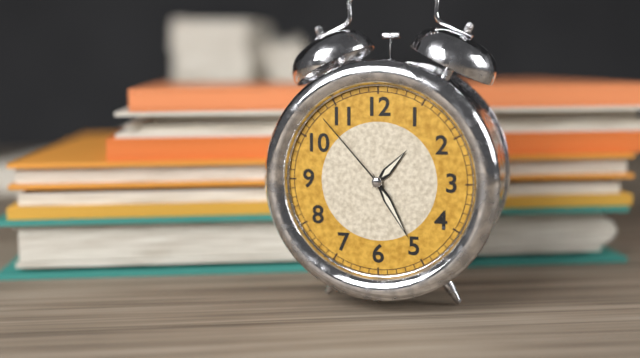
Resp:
1h25m53s
